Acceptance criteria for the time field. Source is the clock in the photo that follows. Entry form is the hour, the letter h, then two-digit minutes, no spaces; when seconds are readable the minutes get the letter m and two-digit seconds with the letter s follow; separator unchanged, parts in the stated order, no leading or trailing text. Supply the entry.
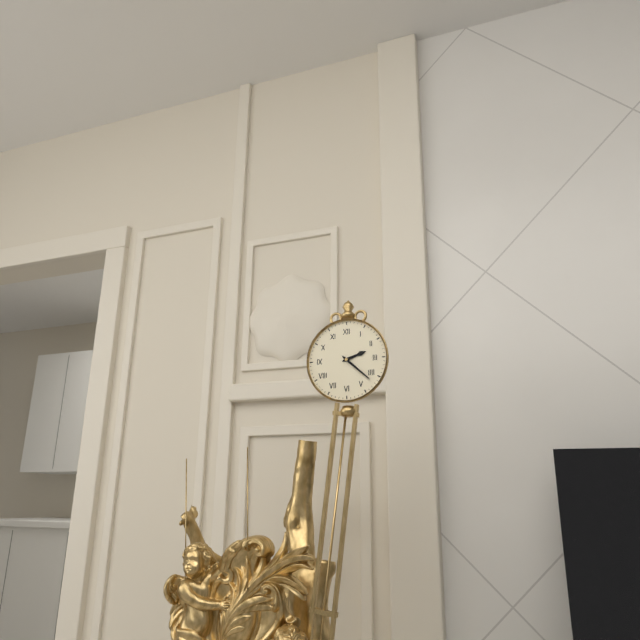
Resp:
2h22
